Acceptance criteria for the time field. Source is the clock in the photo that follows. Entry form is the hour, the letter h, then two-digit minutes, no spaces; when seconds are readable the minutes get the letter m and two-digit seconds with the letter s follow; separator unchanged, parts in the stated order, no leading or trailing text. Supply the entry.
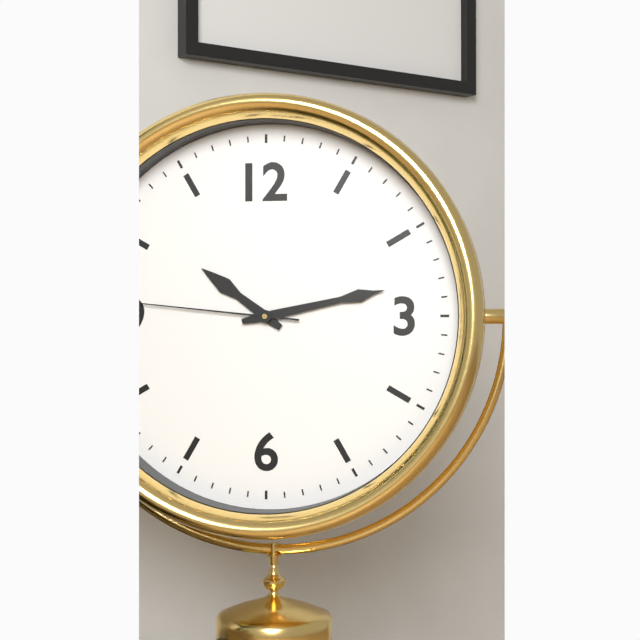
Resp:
10h13m46s
